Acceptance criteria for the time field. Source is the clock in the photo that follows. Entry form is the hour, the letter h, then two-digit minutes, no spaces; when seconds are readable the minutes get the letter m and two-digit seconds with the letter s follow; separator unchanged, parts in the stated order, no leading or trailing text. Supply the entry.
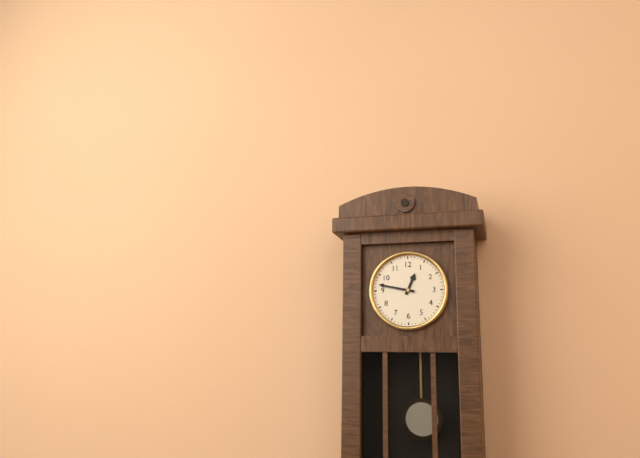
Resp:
12h47
